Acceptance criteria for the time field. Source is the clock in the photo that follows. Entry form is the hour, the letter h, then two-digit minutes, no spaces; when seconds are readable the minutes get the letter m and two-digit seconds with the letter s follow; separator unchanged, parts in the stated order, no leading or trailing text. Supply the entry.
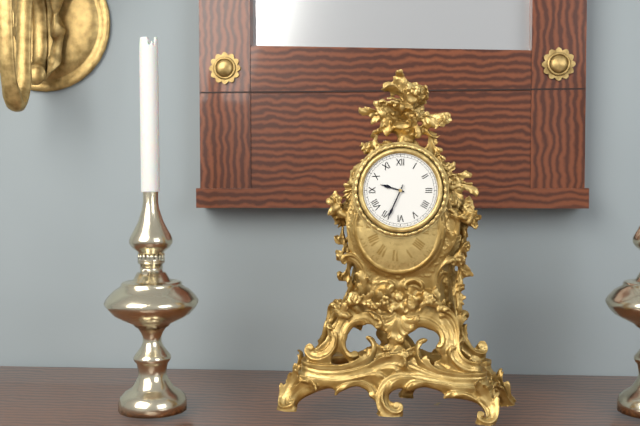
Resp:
9h34
